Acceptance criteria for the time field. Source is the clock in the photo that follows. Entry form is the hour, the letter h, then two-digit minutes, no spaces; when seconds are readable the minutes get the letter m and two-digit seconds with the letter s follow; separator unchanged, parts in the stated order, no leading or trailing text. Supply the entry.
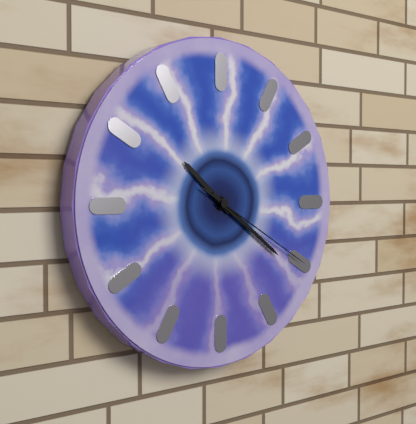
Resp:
10h21m20s
